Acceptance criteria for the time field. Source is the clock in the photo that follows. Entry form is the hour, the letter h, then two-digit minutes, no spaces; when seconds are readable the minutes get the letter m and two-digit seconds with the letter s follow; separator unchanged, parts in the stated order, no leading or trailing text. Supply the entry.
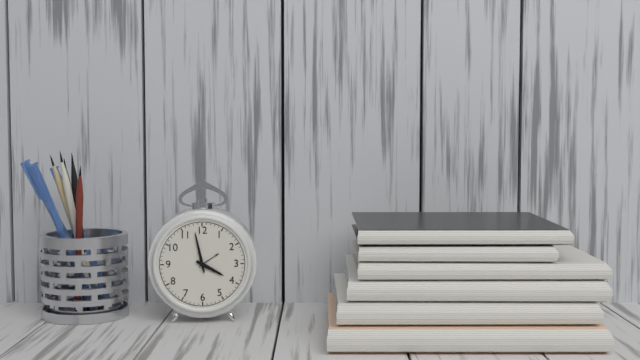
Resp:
3h58
